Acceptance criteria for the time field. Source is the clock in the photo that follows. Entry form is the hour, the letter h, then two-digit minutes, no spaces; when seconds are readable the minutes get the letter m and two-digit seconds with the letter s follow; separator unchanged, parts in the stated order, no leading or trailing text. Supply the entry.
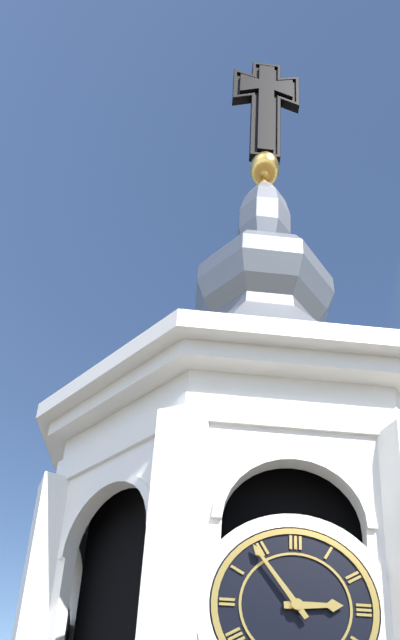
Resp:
2h54
